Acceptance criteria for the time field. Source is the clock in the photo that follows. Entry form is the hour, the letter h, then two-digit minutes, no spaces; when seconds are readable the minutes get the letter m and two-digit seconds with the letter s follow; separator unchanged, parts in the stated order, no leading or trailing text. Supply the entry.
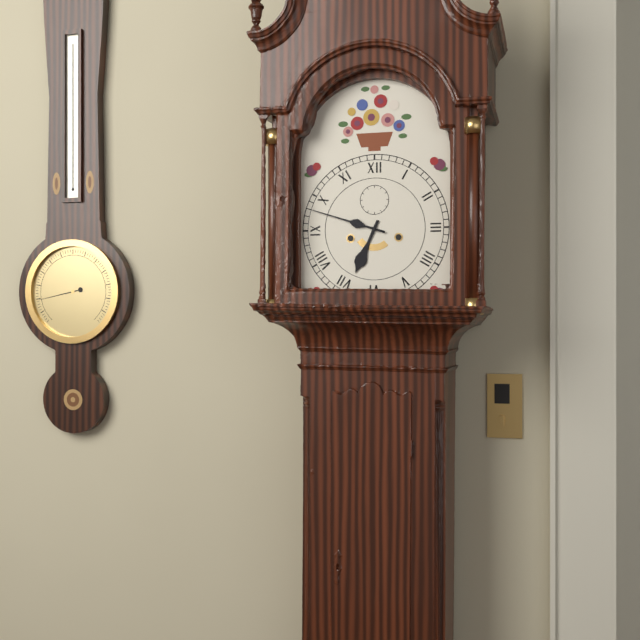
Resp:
6h48
